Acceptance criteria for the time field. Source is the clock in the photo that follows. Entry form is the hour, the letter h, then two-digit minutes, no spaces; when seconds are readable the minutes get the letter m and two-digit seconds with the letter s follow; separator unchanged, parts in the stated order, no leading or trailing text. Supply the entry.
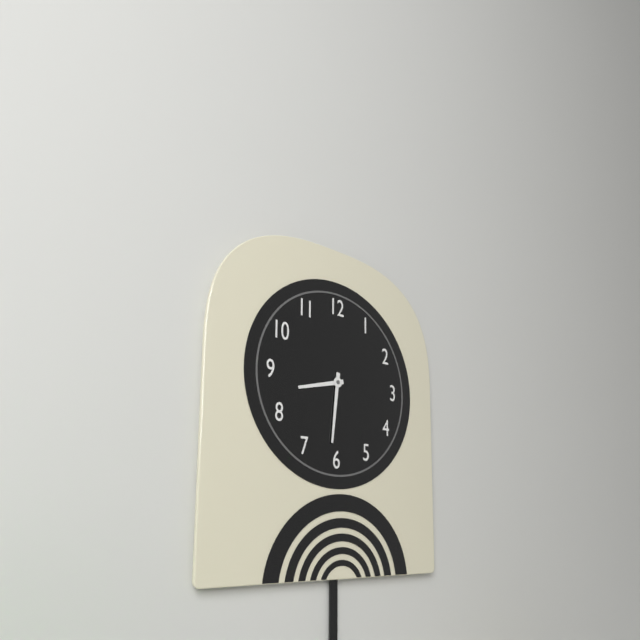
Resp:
8h31
